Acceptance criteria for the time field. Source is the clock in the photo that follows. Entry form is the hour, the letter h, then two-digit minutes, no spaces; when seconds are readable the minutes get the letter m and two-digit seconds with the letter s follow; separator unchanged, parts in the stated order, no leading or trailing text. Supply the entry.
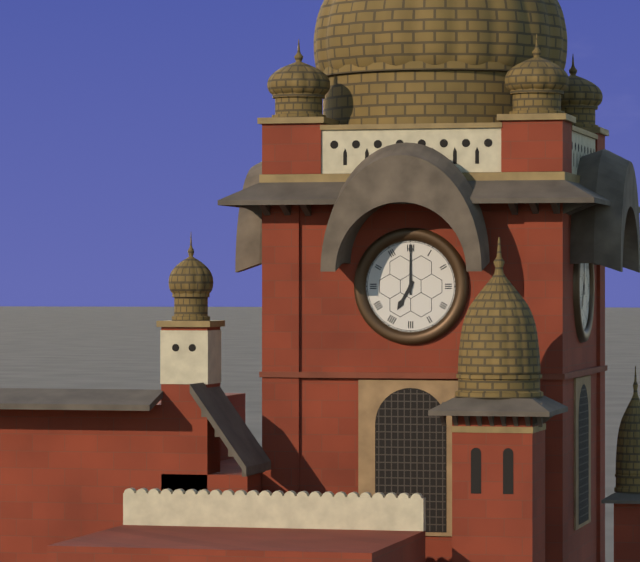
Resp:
7h00
